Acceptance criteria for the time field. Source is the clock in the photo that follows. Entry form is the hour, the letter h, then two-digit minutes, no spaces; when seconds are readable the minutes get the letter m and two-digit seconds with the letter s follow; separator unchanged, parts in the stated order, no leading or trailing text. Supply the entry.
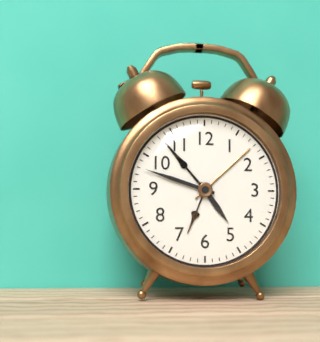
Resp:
4h48
